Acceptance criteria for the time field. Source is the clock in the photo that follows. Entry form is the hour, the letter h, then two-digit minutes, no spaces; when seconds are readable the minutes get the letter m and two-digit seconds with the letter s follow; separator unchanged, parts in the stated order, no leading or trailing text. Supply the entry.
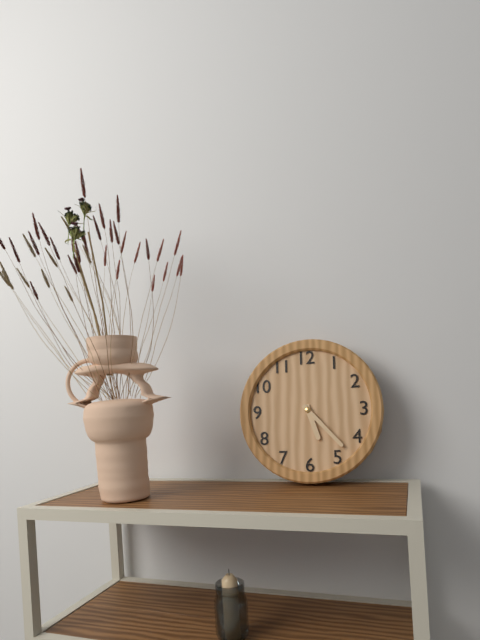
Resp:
5h23
